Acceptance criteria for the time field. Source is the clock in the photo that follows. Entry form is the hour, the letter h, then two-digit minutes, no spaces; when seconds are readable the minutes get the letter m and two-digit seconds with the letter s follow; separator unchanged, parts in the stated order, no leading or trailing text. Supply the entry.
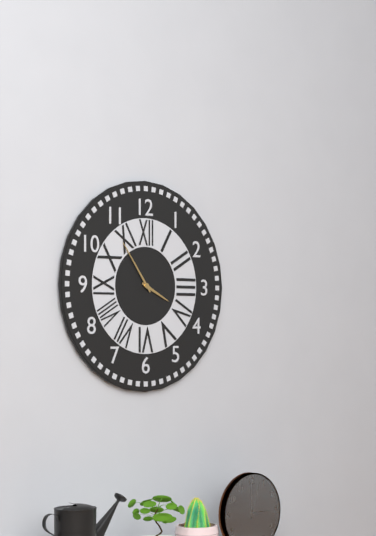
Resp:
3h54
